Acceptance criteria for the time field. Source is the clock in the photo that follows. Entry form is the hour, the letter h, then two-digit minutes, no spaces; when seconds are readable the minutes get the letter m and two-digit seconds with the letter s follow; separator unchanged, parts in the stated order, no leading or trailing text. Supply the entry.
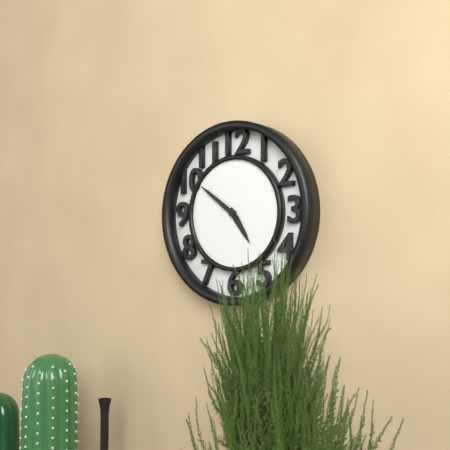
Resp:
4h51
